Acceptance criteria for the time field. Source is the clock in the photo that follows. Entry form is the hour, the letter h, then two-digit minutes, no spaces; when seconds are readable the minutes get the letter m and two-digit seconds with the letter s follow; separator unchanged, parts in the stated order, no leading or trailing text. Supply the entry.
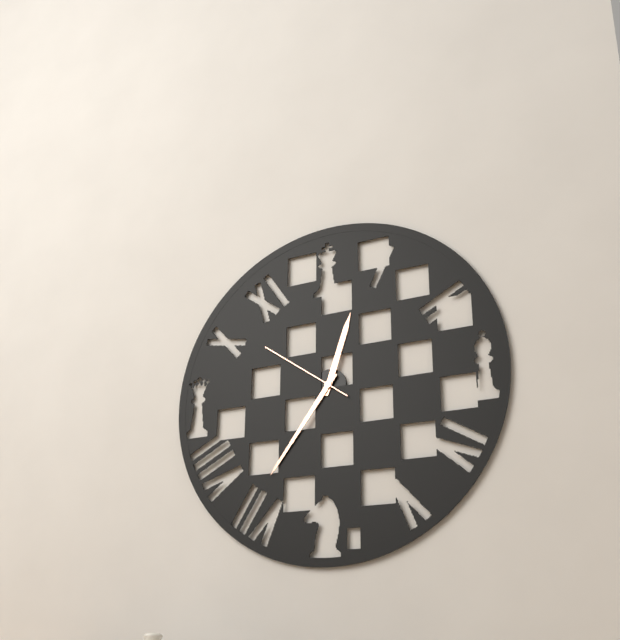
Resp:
12h36m51s
